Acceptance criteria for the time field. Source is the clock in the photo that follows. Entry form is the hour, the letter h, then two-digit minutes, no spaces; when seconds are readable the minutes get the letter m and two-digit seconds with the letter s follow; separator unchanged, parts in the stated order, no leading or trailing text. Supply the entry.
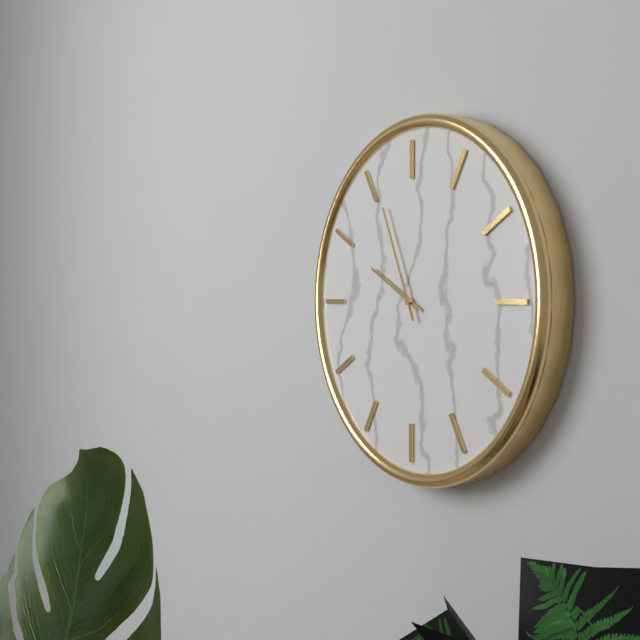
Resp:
9h56
